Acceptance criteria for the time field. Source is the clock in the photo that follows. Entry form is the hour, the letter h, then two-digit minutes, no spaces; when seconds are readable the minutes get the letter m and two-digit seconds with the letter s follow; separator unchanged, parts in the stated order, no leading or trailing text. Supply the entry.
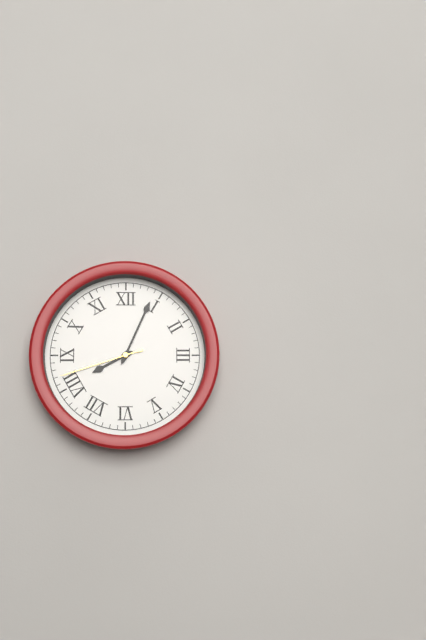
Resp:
8h04m42s
